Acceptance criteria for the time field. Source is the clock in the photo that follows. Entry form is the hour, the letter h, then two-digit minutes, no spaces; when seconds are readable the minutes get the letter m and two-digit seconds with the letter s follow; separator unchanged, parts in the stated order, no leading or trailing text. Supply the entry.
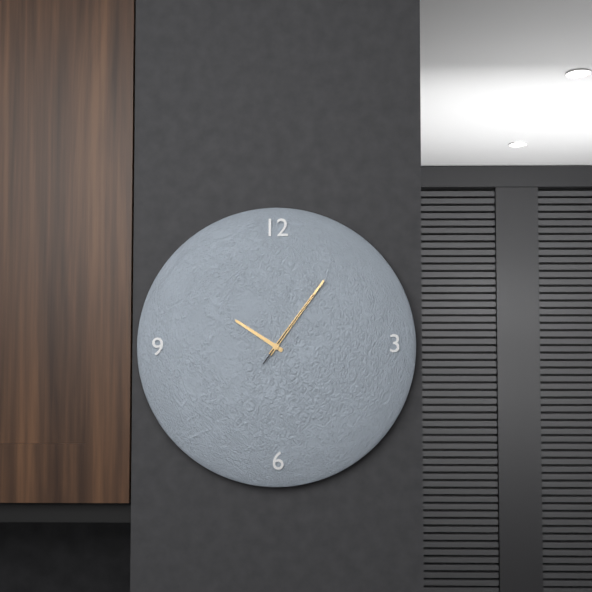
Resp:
10h06m06s
